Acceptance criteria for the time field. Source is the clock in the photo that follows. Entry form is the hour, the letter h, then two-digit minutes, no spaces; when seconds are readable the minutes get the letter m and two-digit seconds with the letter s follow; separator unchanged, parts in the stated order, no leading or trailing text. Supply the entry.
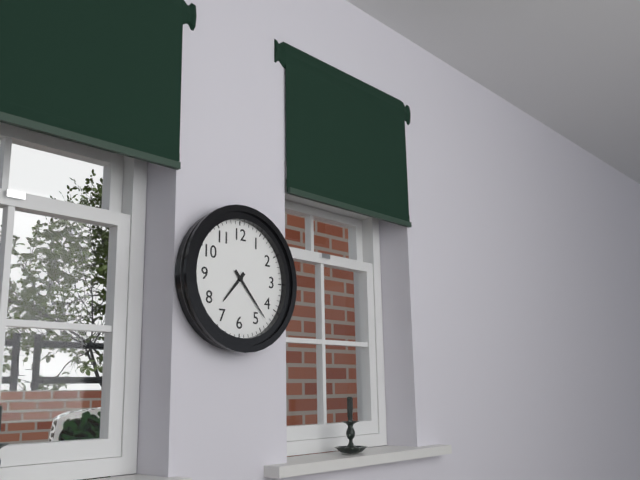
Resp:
7h23
